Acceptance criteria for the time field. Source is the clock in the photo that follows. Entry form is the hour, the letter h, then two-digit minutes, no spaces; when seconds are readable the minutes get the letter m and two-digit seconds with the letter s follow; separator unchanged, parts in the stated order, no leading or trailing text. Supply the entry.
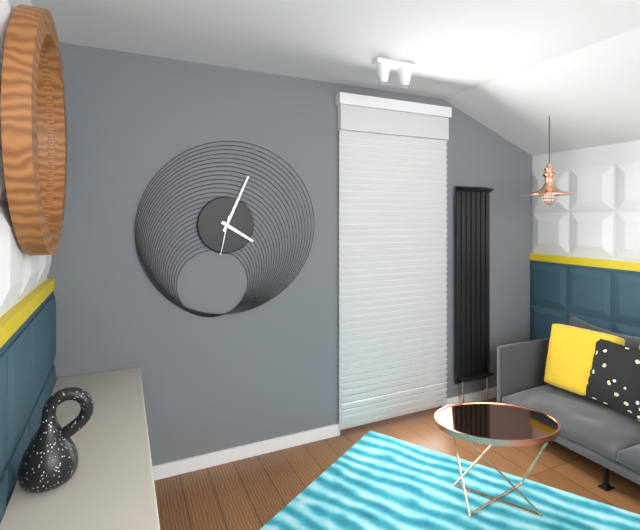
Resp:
4h04
